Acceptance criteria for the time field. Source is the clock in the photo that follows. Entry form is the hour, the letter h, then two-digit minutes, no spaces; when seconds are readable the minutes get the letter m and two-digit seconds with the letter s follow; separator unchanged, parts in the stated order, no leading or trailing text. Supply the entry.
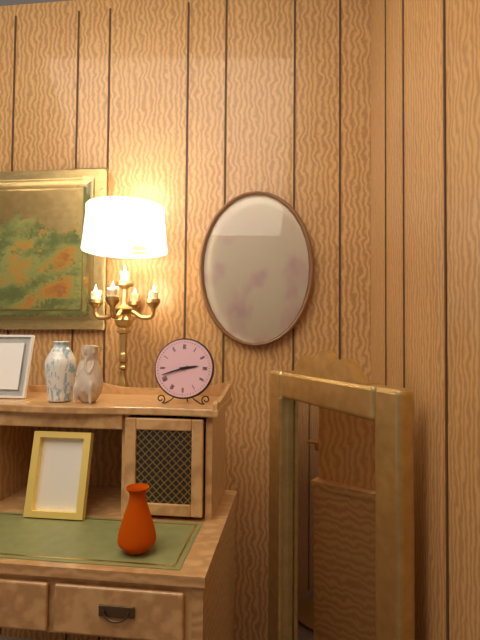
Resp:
2h42
